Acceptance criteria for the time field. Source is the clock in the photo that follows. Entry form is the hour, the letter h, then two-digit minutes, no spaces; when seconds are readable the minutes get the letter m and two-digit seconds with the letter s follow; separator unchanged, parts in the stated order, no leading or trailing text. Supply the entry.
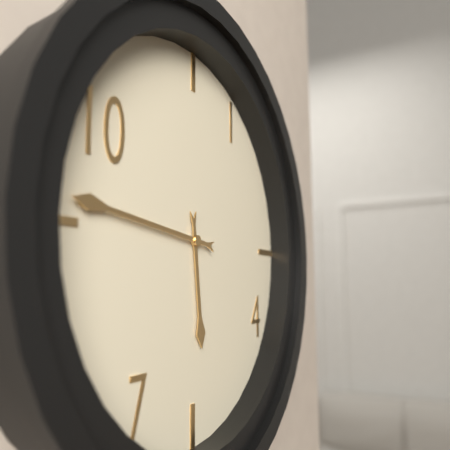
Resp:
5h46
